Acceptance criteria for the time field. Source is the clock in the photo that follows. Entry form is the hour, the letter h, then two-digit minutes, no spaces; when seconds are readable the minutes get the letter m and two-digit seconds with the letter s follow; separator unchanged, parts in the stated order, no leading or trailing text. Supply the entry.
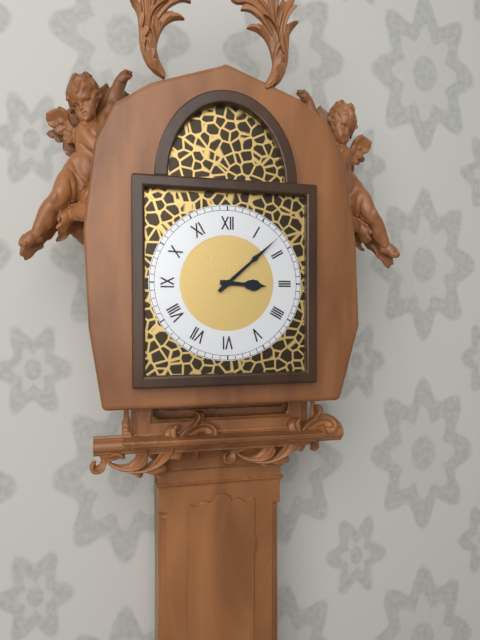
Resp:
3h08
